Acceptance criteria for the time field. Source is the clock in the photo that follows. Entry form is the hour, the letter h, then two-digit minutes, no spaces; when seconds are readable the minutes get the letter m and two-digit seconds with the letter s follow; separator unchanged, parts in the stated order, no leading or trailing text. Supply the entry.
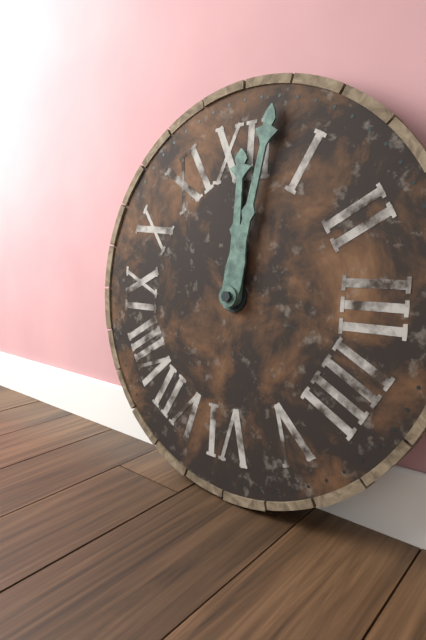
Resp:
12h02
